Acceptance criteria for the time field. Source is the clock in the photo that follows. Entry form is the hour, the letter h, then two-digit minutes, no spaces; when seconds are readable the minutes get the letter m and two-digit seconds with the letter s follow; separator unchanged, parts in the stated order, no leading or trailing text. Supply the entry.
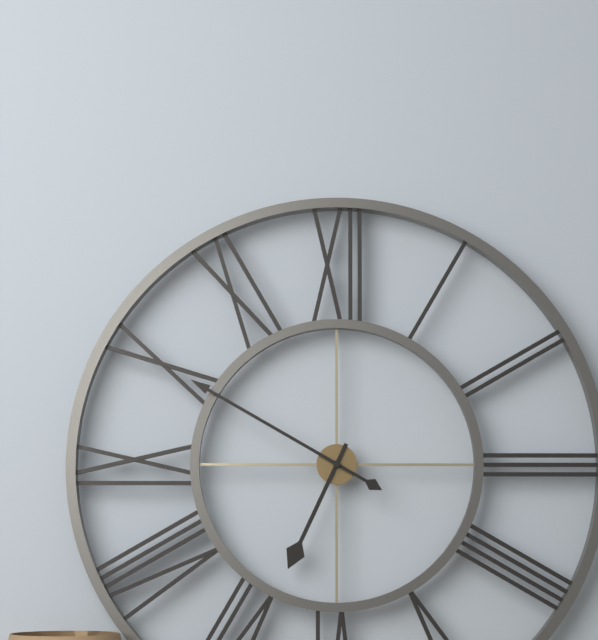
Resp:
6h50
